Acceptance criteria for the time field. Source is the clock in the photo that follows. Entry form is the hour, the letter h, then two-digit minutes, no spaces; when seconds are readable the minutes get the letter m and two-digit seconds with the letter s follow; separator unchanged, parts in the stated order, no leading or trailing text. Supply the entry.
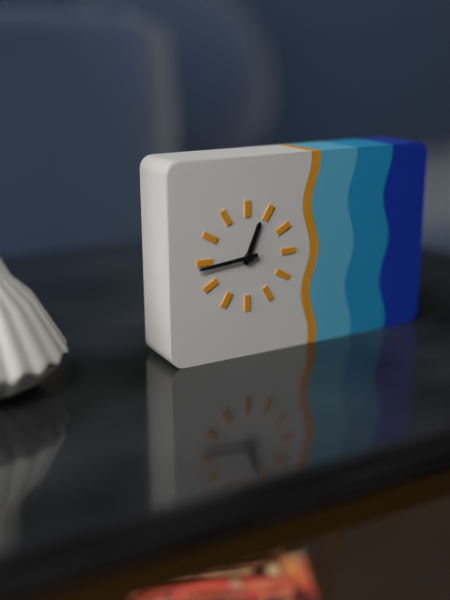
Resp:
12h44
